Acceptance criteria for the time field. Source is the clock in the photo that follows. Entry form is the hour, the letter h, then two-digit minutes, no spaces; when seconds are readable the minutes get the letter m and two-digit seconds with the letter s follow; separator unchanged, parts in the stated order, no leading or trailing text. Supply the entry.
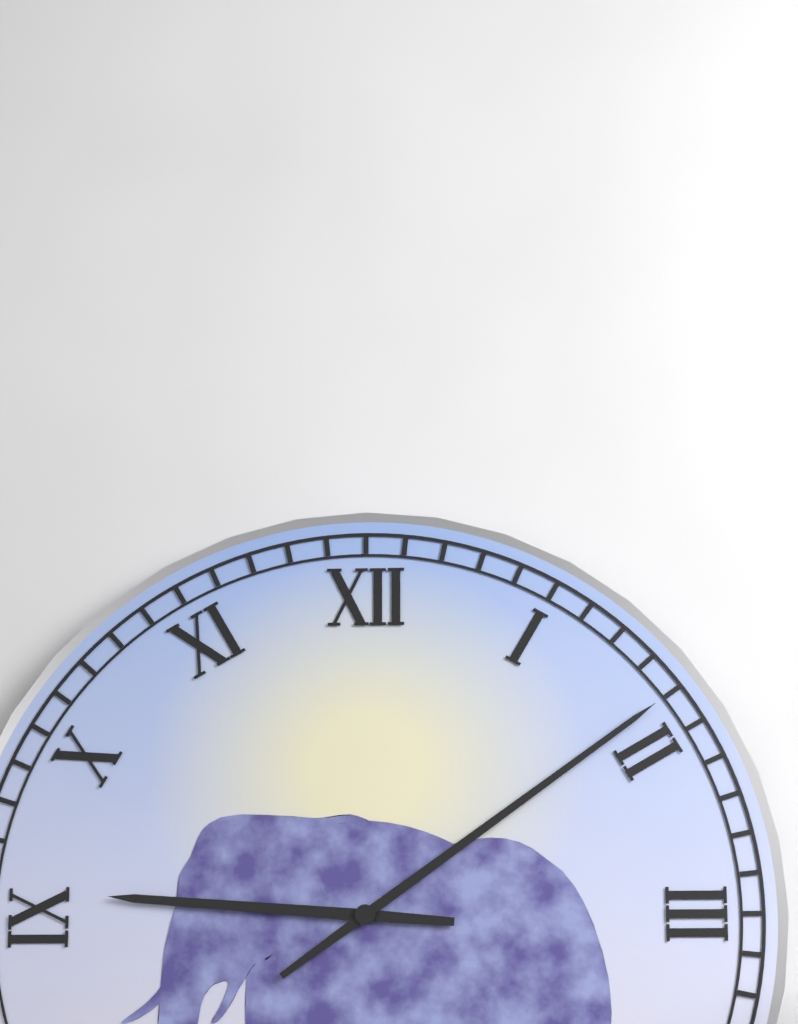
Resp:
9h09
